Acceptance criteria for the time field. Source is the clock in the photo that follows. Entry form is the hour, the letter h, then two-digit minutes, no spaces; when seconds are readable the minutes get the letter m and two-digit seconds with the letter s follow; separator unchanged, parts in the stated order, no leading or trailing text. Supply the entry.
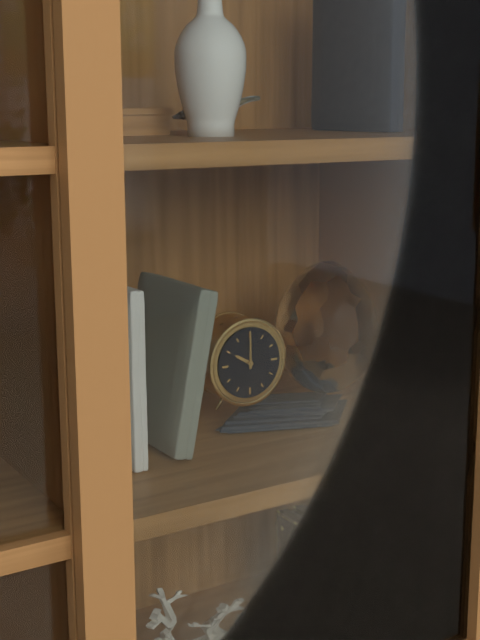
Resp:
10h00
